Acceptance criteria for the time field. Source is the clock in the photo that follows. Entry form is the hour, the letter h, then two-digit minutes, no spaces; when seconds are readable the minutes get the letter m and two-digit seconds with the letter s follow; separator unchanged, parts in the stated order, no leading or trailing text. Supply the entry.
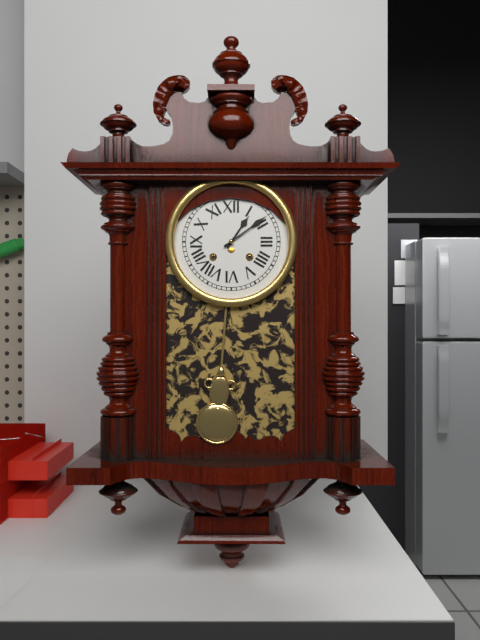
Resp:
1h09
